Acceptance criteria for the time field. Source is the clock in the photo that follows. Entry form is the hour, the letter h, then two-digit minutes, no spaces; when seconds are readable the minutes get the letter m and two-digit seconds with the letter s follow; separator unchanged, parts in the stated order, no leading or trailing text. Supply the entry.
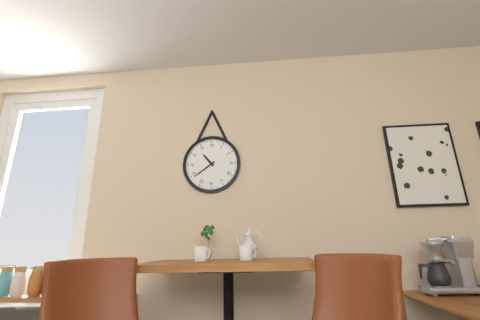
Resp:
10h39
